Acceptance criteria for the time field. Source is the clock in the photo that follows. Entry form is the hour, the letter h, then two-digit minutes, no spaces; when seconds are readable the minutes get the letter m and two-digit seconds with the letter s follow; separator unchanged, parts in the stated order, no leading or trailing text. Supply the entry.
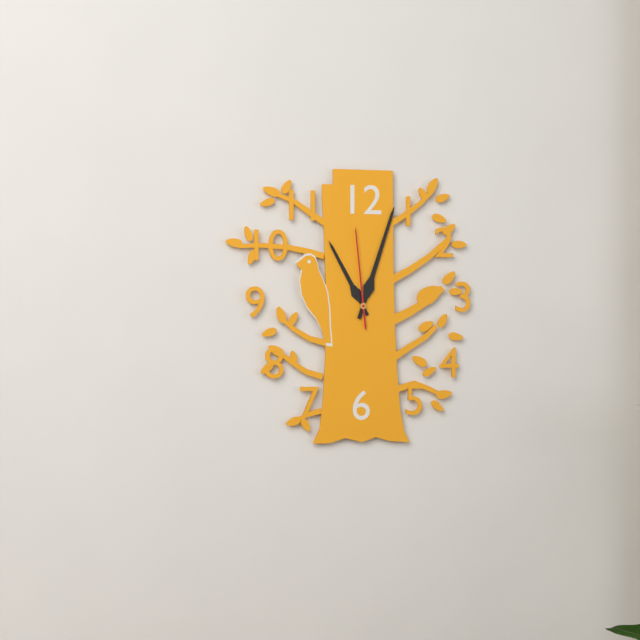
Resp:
11h03m59s
